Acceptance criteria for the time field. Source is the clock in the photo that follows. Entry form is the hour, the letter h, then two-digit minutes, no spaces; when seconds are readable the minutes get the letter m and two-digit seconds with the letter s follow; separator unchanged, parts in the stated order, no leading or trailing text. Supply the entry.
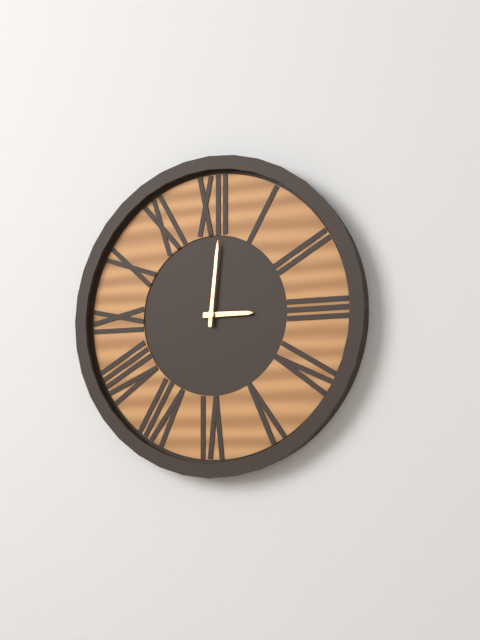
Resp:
3h01
